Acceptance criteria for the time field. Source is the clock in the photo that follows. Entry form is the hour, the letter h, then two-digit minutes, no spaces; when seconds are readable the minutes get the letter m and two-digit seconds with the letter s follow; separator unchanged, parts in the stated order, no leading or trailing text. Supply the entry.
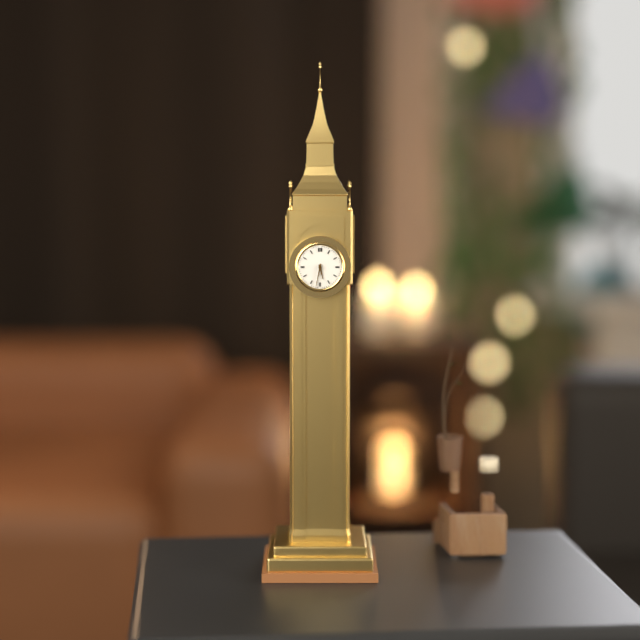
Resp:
5h32
